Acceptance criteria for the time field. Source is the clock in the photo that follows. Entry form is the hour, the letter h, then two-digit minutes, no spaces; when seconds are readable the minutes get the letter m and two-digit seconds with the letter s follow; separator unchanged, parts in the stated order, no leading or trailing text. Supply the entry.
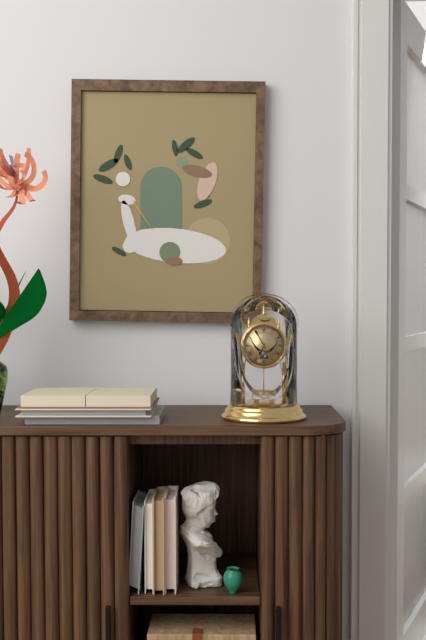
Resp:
6h55
